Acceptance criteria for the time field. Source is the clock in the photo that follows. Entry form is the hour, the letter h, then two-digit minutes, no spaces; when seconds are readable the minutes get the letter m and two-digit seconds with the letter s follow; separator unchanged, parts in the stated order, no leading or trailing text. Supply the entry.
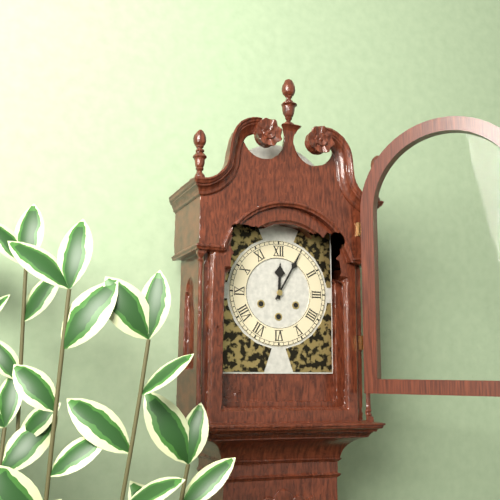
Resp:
12h05
